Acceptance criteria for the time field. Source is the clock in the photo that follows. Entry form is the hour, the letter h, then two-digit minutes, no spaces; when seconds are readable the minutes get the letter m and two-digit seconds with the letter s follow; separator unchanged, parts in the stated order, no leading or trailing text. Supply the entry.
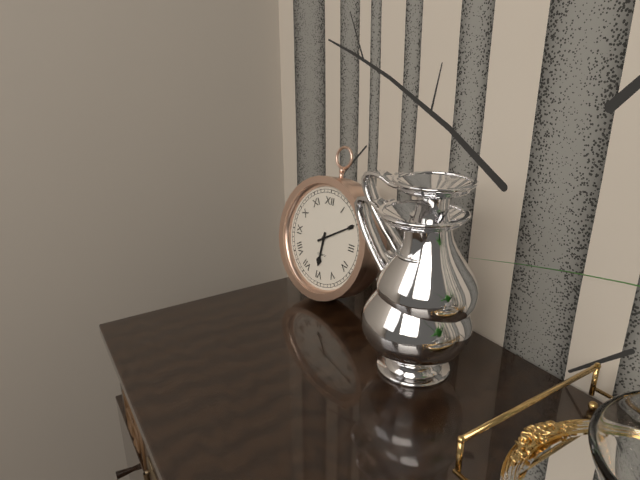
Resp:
6h10
